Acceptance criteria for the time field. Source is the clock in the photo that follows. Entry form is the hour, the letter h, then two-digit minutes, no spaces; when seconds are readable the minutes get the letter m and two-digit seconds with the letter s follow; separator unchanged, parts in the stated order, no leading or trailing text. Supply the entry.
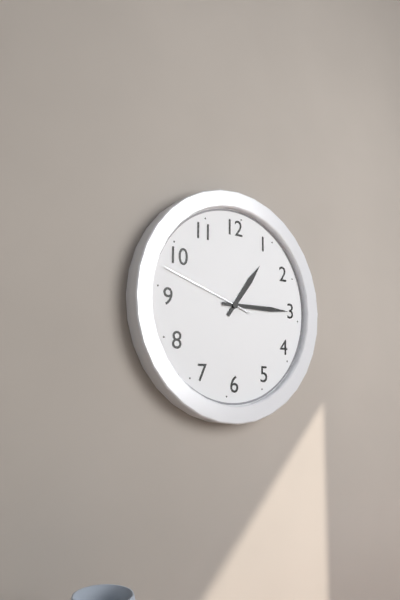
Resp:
1h15m48s
